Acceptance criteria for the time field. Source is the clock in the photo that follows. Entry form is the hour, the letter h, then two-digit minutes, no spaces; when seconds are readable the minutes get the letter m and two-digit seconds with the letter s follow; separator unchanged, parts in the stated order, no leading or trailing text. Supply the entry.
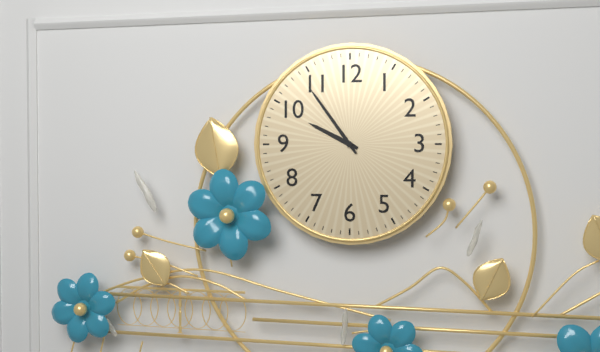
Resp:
9h54
